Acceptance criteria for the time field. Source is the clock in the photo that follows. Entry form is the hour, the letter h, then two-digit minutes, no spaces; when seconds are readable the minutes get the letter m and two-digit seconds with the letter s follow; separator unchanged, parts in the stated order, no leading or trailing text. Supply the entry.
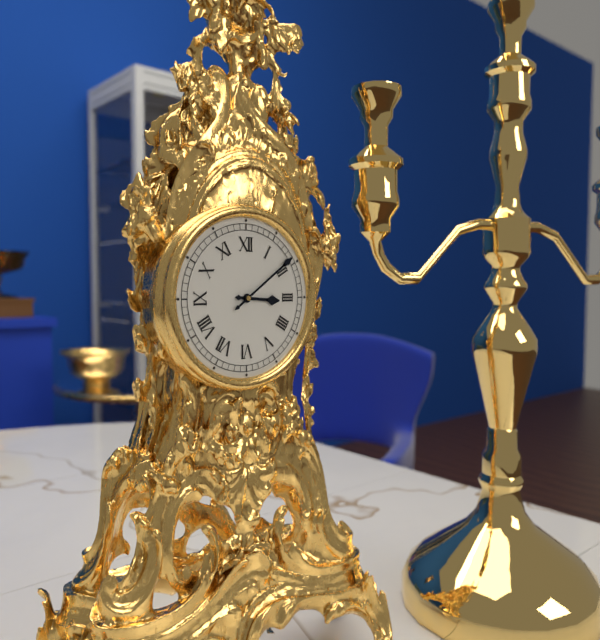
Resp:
3h09
